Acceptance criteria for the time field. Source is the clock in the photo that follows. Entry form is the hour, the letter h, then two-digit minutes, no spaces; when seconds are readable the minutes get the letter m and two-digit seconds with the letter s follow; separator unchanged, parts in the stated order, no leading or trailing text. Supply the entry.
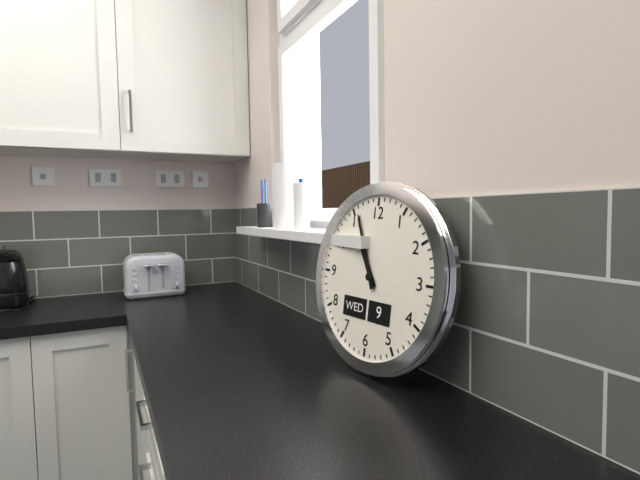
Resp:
10h56
